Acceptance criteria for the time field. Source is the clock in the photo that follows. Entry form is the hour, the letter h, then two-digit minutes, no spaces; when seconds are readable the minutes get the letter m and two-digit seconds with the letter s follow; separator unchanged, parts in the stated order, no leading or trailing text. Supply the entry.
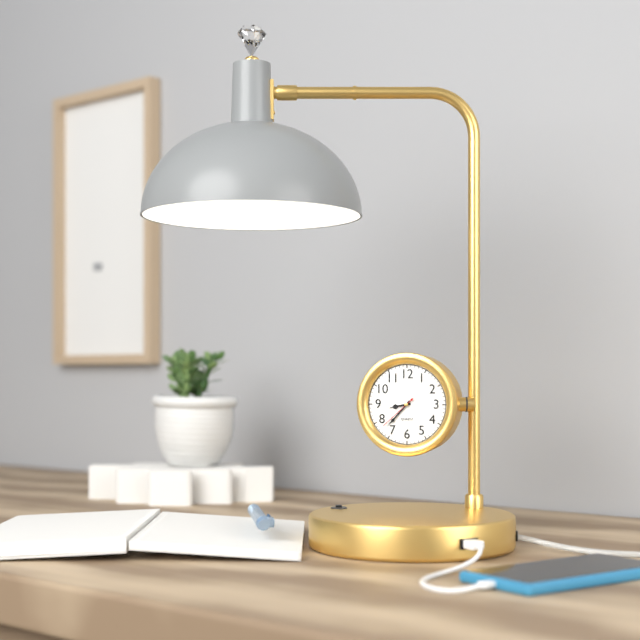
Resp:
8h37
